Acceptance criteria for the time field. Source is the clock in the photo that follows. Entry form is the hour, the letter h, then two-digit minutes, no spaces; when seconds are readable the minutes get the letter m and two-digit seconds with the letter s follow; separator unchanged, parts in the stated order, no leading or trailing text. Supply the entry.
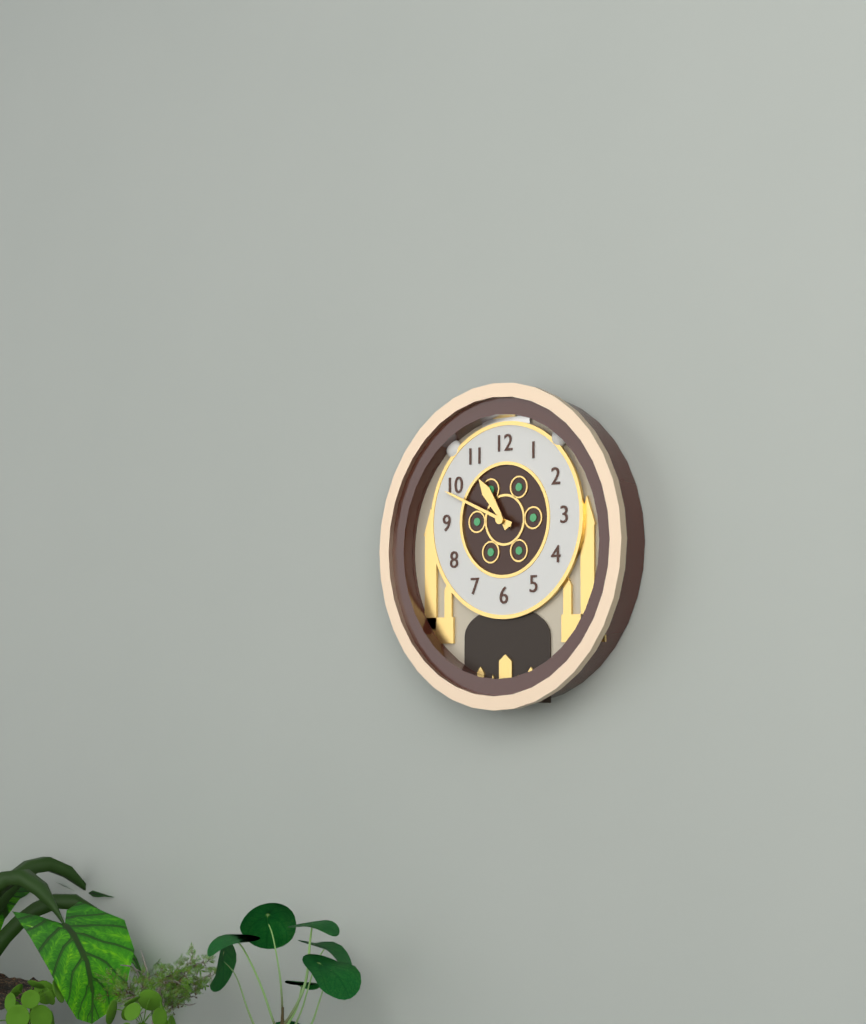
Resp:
10h49
